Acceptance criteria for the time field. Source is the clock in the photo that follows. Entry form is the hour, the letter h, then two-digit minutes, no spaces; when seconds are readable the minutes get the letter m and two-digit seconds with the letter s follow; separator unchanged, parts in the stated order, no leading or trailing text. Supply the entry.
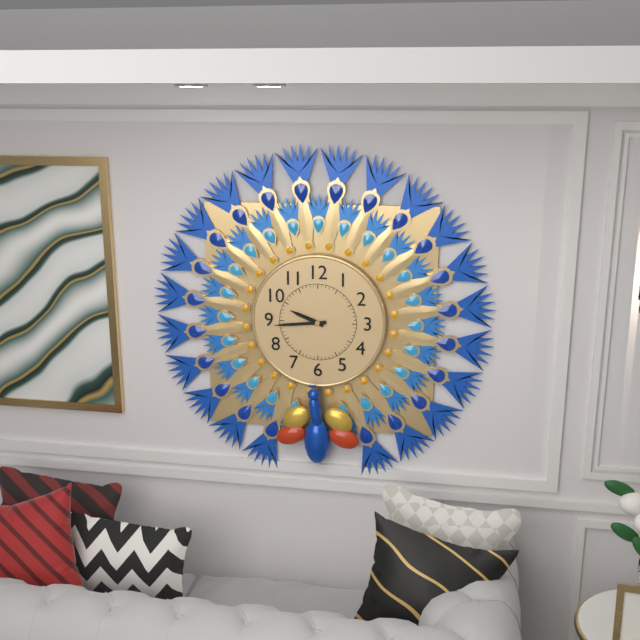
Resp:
9h44
